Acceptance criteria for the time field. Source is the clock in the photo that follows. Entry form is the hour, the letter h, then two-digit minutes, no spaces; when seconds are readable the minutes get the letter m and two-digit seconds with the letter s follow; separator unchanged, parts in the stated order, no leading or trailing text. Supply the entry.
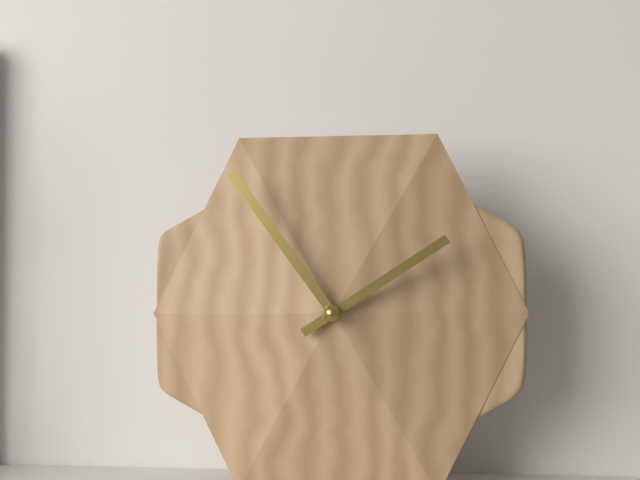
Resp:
1h54
